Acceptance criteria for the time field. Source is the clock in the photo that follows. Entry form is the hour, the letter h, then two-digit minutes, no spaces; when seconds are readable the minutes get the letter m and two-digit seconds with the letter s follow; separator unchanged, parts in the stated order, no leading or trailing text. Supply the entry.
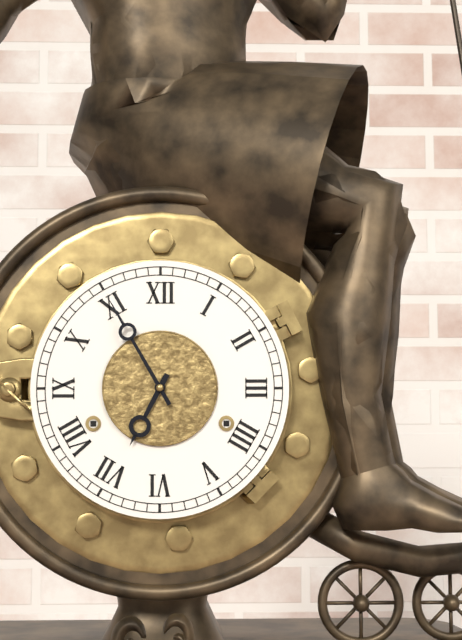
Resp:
6h55
